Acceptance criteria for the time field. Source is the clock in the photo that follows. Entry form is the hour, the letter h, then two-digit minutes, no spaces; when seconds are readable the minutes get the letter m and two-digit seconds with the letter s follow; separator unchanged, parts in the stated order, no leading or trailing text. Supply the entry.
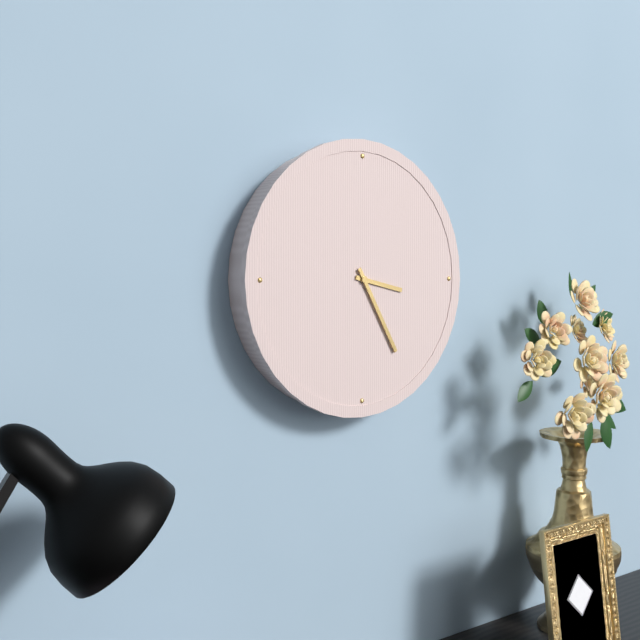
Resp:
3h25
